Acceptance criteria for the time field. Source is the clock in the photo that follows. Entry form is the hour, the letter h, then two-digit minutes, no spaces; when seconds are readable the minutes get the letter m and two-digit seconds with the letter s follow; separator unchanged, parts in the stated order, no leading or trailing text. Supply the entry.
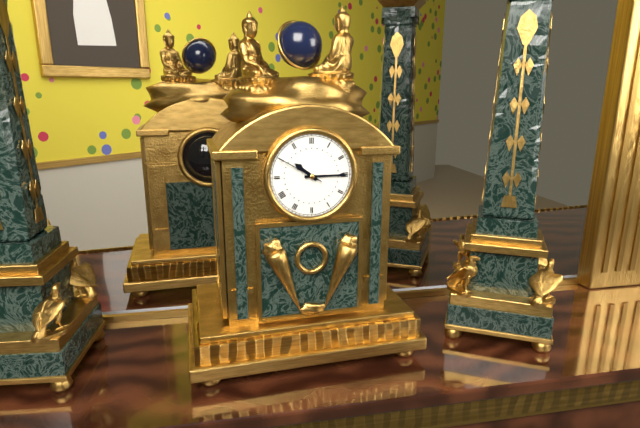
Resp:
10h15
